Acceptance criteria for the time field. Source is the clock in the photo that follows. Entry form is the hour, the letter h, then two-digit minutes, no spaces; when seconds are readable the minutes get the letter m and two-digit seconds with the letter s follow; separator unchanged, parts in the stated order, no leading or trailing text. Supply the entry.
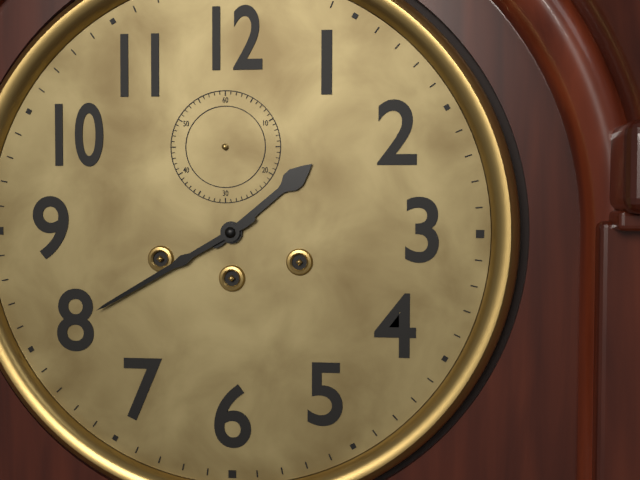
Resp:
1h40
